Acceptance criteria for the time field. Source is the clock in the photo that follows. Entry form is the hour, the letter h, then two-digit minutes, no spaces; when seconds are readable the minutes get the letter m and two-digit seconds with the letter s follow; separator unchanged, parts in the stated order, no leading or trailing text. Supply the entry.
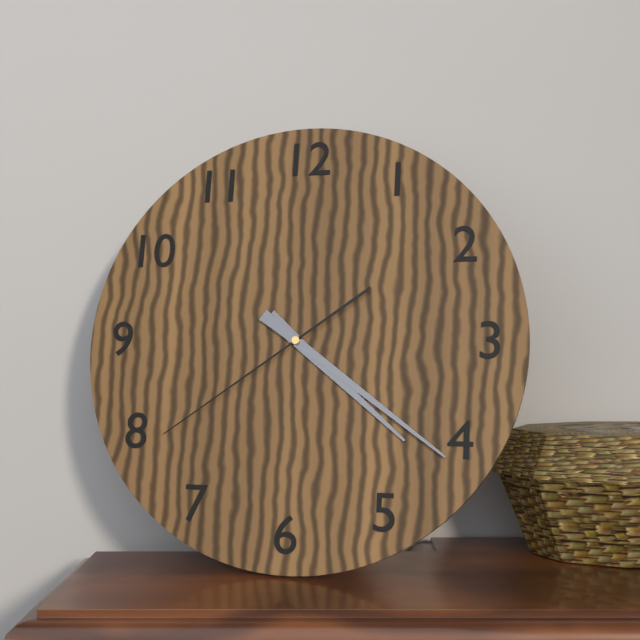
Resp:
4h21m39s
